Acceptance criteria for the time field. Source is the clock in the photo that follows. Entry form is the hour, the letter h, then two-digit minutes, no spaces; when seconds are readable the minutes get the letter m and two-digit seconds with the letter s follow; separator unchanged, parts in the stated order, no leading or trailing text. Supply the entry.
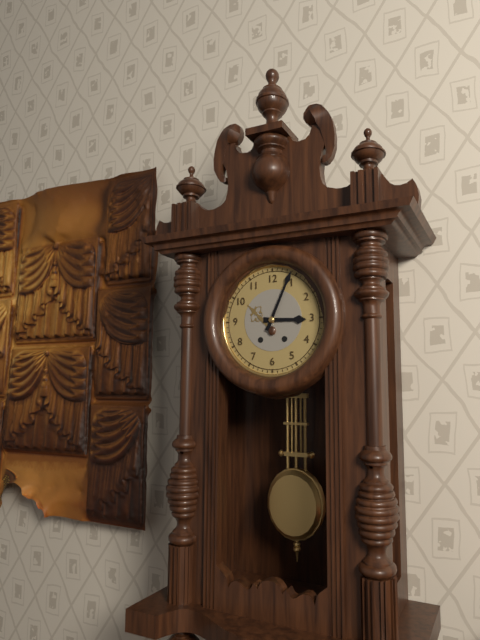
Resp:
3h04
